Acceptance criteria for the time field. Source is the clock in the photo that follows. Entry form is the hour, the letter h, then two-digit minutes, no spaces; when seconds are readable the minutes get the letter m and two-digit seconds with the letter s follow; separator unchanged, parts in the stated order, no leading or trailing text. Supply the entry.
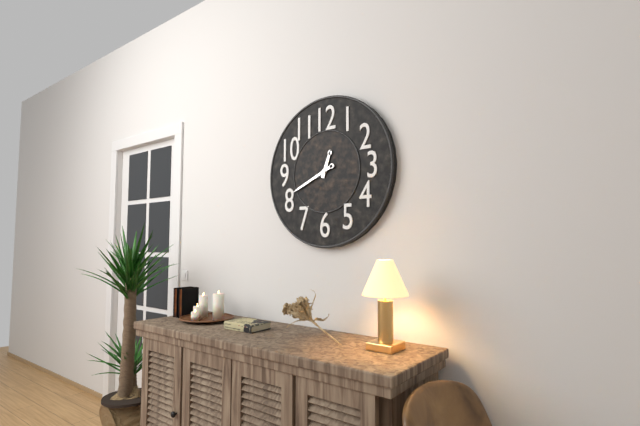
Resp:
12h41
